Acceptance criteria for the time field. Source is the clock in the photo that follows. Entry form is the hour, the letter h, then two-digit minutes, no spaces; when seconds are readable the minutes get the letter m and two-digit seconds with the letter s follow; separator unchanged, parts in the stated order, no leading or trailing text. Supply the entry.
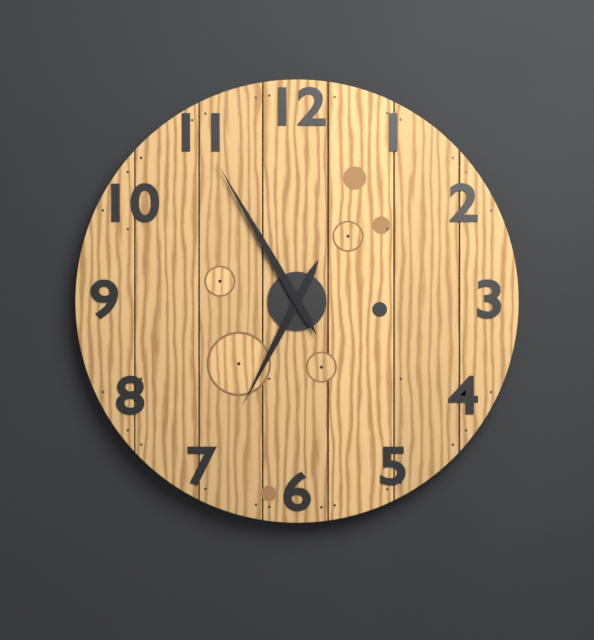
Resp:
6h55
